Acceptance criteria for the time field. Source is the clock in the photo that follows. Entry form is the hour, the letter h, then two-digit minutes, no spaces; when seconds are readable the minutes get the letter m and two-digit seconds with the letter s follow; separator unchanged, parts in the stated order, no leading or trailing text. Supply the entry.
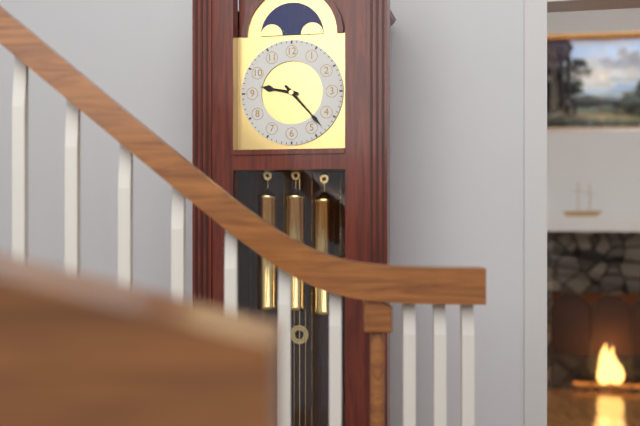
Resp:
9h23
